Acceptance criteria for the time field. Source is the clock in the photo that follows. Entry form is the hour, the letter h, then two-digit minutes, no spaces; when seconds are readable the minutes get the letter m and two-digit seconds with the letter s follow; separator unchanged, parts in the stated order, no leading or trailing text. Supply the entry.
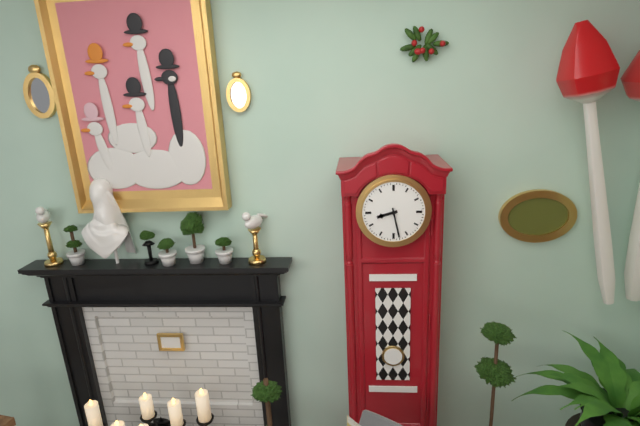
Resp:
8h28
